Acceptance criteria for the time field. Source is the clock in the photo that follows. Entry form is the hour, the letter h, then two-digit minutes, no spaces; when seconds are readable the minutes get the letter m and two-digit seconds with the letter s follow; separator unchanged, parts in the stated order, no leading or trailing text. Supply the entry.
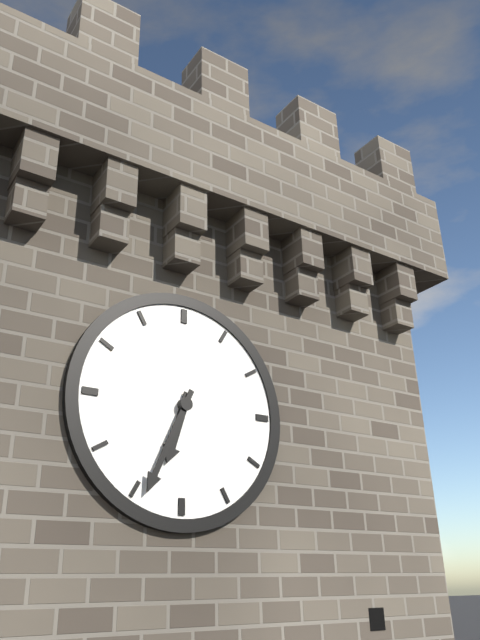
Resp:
6h34
